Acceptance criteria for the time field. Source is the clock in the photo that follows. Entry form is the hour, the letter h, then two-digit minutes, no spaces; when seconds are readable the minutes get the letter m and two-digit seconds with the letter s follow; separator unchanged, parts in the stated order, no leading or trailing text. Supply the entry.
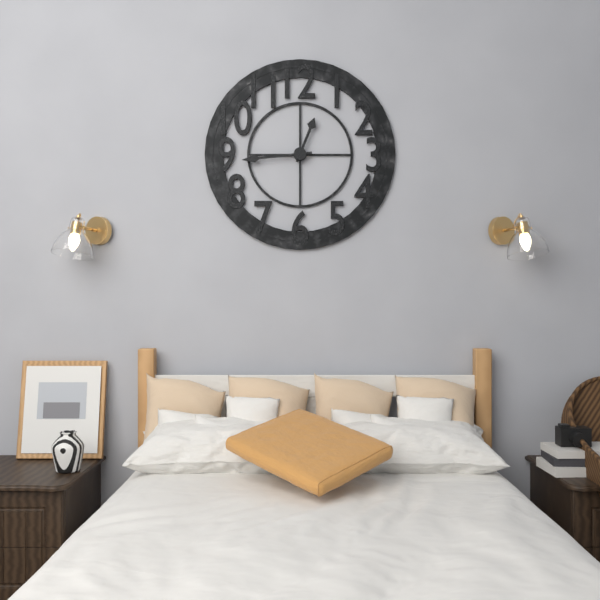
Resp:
12h44
